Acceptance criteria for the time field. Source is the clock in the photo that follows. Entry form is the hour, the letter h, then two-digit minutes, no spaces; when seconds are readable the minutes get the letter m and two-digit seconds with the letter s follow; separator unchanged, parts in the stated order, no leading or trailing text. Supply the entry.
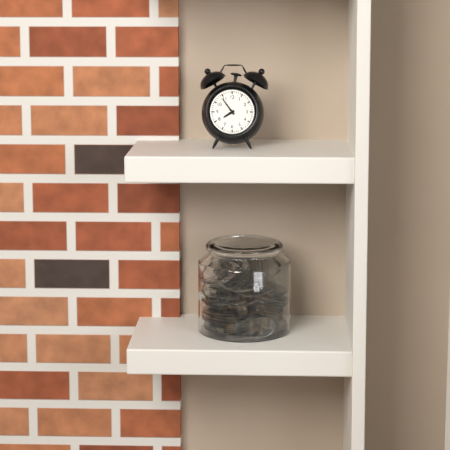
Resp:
7h54
